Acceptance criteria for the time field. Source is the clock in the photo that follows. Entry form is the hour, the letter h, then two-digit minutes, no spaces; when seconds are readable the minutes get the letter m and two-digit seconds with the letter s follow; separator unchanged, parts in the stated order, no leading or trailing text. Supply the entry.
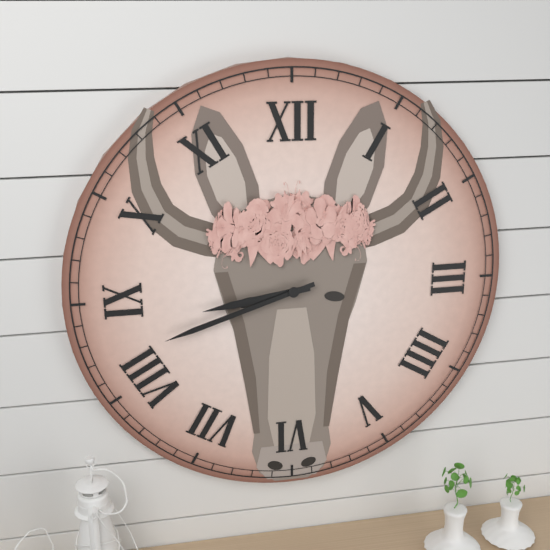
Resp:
8h42
